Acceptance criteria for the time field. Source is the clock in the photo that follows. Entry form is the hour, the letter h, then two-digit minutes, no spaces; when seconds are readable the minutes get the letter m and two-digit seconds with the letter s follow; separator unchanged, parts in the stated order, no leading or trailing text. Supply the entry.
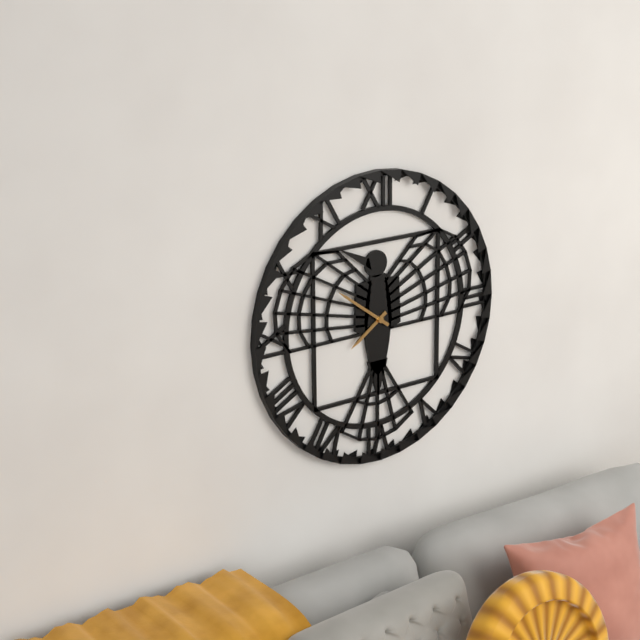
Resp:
7h51
